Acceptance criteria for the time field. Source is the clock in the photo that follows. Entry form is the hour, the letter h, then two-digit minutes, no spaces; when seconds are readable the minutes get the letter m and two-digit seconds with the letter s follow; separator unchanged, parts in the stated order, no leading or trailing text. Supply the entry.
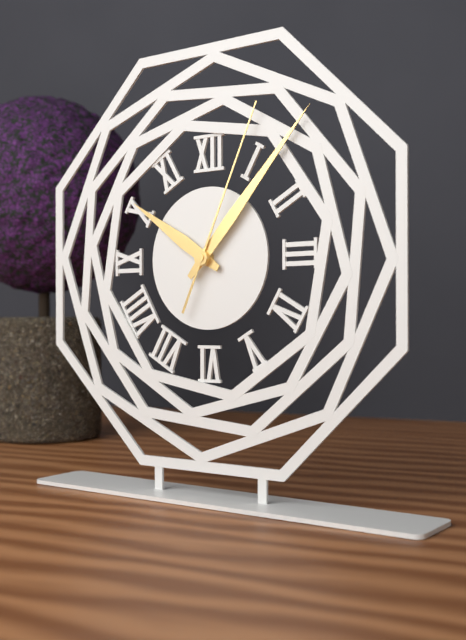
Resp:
10h07m04s
